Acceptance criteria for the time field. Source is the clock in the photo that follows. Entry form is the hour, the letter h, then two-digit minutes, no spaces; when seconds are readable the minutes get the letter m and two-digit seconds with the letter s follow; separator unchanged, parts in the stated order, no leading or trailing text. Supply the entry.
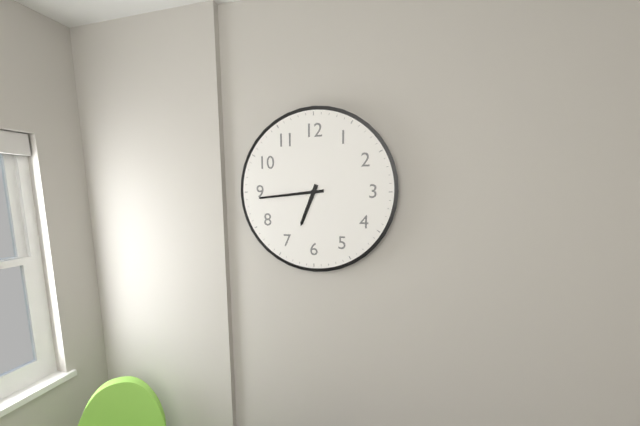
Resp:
6h44
